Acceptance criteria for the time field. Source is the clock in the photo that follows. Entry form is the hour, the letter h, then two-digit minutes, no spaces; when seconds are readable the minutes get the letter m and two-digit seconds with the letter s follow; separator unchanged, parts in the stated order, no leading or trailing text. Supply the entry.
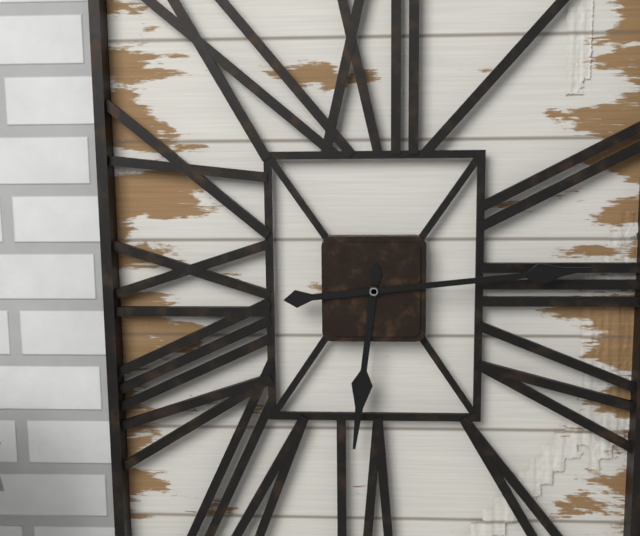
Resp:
6h14
